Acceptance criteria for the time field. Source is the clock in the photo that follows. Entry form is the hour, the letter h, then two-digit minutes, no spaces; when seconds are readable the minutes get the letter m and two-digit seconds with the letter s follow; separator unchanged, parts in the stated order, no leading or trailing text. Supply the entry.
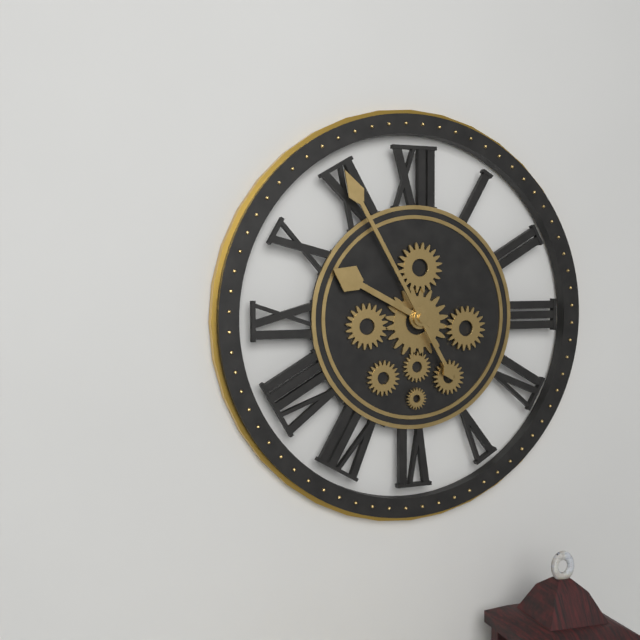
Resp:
9h55
